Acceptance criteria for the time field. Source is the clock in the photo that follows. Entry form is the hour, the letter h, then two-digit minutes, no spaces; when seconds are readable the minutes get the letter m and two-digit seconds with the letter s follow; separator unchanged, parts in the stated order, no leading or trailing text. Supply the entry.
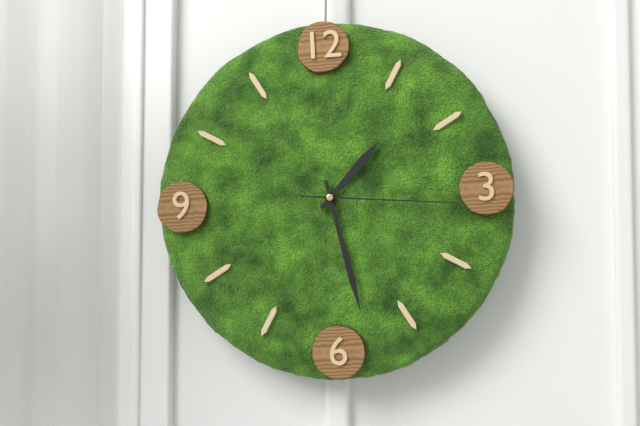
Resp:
1h28m16s
